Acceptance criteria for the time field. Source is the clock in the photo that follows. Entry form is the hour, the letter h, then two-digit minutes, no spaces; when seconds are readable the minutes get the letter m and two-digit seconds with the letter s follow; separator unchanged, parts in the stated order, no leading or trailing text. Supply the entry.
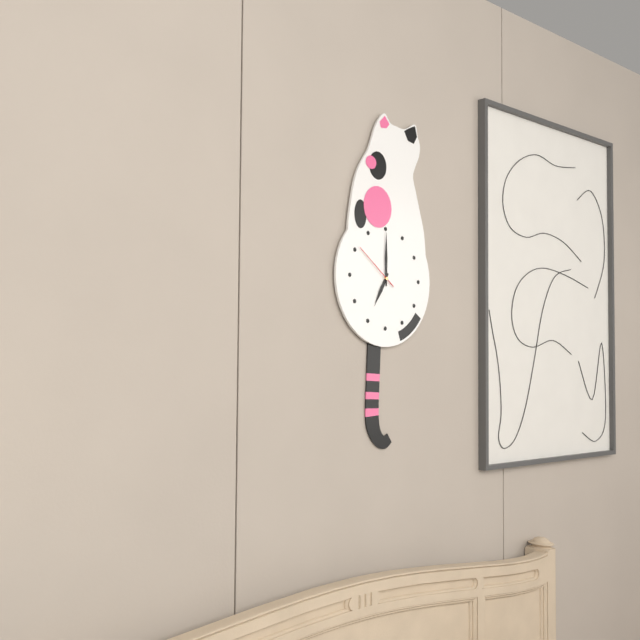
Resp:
7h00m51s
